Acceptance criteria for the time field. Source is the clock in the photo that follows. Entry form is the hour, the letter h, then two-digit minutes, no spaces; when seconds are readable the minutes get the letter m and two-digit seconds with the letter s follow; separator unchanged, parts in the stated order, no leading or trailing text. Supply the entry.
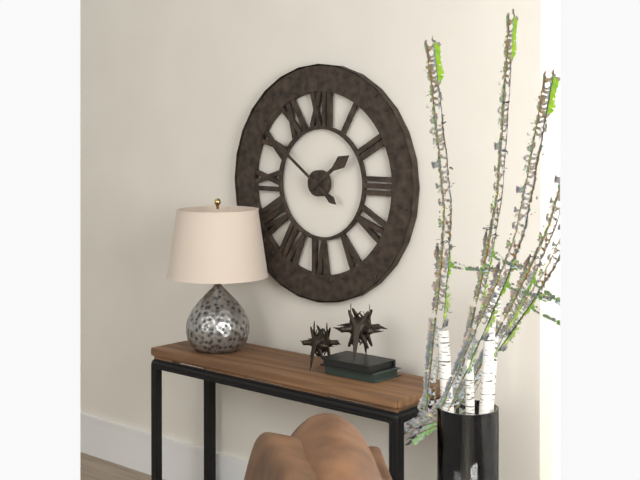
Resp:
1h51
